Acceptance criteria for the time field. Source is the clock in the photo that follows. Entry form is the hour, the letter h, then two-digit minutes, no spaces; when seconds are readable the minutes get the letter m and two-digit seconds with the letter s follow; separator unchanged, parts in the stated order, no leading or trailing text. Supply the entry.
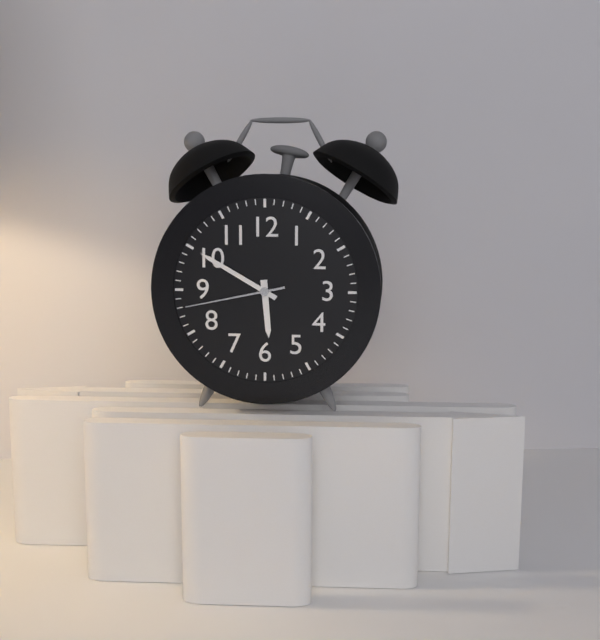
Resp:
5h50m43s
